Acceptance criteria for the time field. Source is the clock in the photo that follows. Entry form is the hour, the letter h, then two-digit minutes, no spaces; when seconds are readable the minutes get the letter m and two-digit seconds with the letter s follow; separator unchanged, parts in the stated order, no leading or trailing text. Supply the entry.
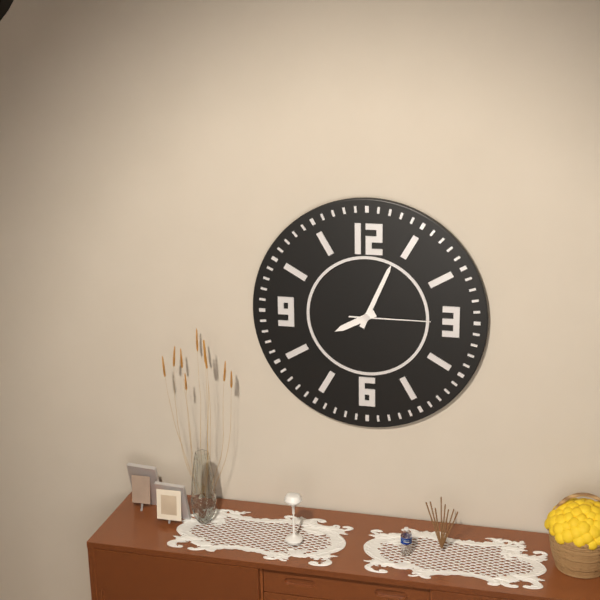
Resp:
8h04m15s
